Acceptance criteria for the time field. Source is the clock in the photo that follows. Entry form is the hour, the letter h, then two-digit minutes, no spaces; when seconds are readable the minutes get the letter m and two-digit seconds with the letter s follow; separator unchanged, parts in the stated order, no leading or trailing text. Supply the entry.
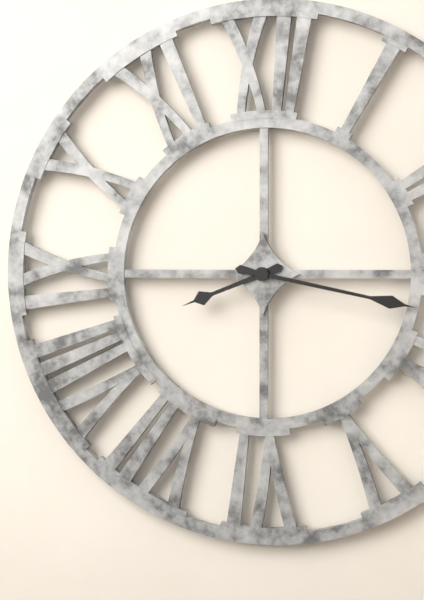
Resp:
8h17
